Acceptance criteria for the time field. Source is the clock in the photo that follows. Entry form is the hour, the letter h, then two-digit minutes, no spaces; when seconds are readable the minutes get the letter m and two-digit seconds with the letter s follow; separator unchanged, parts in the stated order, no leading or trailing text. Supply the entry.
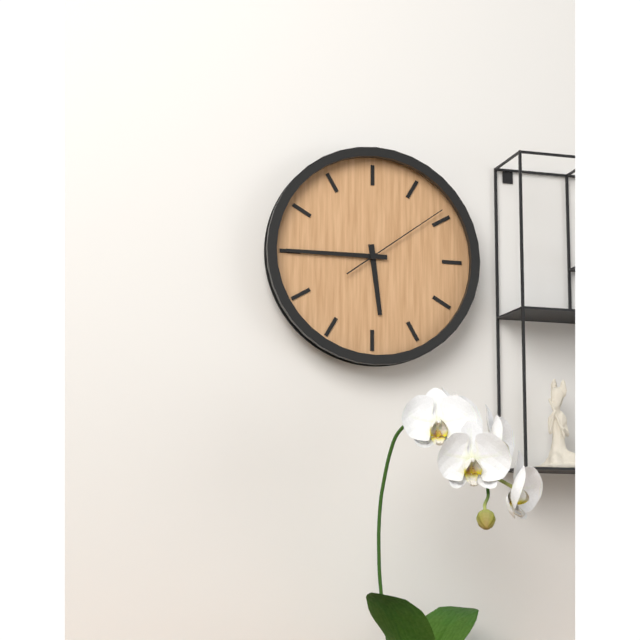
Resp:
5h45m09s
